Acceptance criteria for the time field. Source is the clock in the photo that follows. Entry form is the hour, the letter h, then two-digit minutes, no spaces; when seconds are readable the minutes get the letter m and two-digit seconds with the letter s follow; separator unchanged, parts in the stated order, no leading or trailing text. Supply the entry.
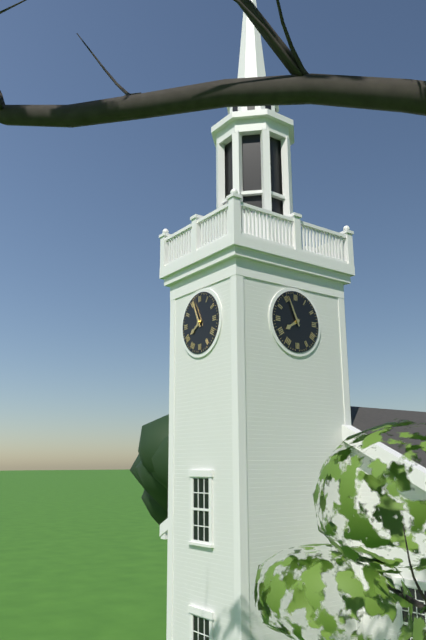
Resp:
7h56
